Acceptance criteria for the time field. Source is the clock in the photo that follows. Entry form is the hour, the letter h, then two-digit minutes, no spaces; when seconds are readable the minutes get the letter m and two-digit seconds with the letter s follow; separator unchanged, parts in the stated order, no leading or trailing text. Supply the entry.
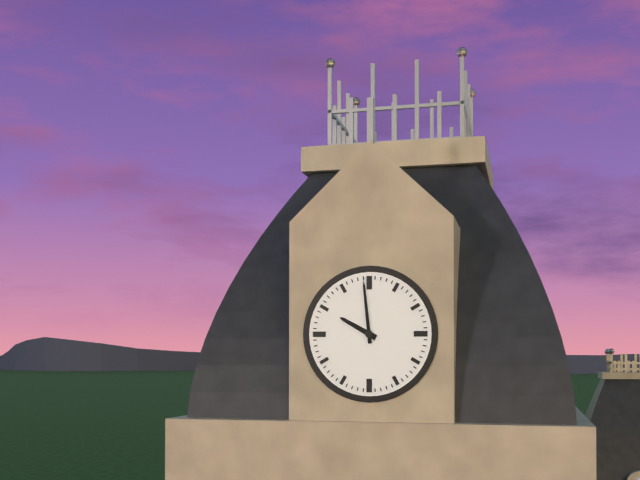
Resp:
9h59
